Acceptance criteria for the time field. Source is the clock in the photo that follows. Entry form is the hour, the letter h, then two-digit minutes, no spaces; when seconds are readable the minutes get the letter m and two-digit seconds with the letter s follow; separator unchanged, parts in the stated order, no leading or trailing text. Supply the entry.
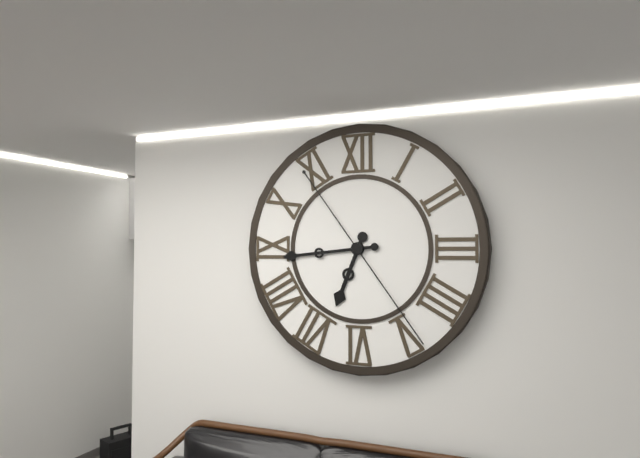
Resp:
6h44m24s
